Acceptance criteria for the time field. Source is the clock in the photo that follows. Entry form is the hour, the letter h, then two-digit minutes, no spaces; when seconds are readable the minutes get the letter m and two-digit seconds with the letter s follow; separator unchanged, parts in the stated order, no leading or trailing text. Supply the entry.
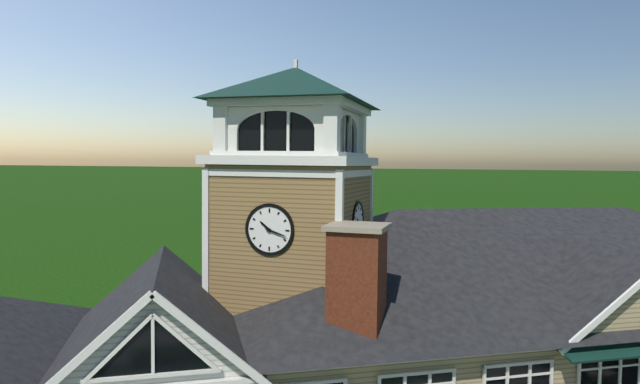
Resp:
10h18
